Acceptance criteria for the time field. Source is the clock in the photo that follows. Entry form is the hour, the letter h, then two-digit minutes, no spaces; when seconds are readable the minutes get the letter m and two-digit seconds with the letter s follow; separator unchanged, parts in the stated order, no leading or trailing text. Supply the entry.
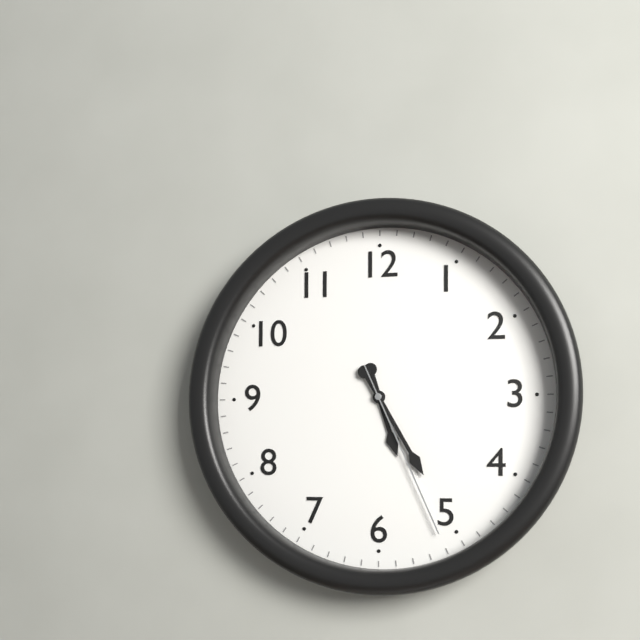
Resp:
5h25m26s
